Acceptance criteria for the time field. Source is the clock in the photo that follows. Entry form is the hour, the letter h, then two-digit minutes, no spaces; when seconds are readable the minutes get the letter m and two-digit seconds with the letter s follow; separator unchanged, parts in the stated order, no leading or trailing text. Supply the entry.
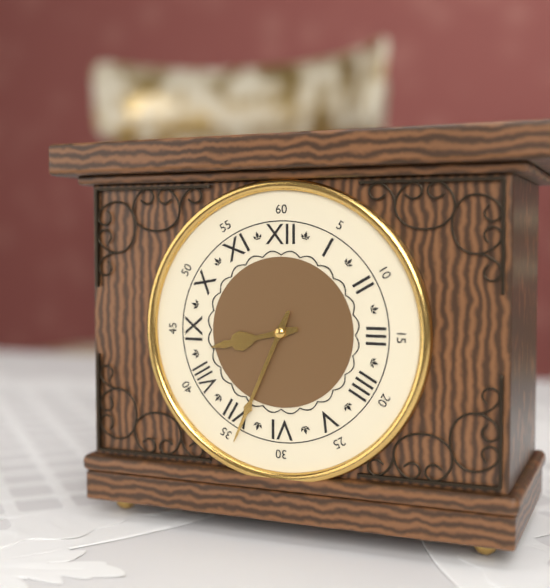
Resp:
8h34
